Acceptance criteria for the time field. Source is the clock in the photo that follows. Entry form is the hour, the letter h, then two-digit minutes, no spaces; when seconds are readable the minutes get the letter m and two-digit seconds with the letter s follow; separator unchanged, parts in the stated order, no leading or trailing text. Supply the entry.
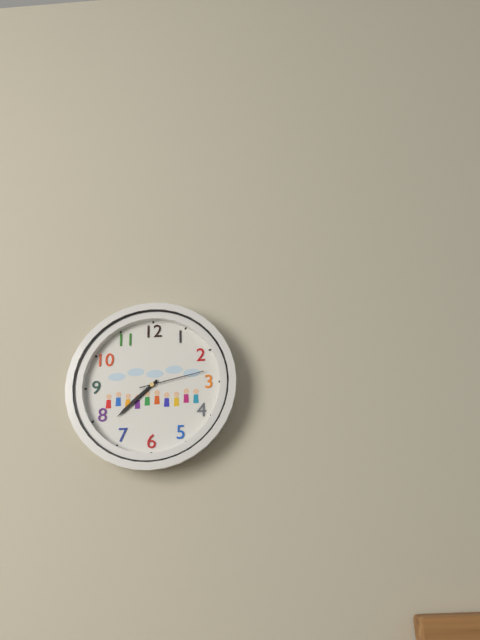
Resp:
7h38m13s
